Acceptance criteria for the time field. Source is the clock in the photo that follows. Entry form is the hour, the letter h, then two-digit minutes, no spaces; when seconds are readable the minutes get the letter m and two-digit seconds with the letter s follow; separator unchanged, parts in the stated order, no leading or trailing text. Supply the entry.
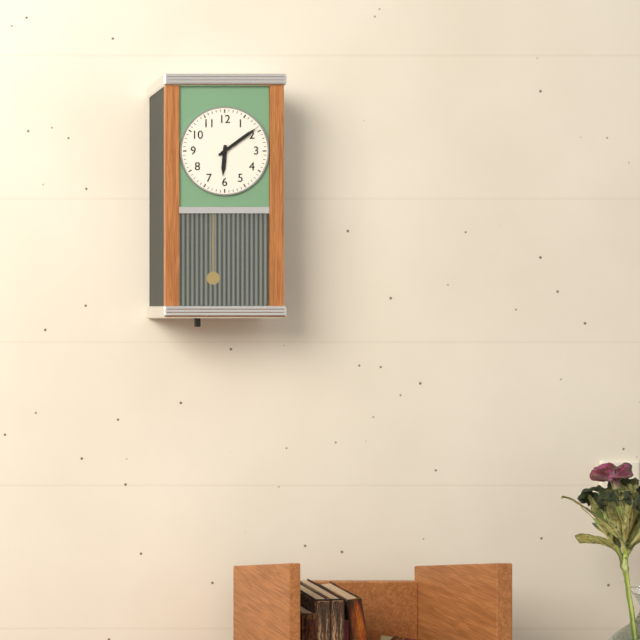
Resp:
6h09
